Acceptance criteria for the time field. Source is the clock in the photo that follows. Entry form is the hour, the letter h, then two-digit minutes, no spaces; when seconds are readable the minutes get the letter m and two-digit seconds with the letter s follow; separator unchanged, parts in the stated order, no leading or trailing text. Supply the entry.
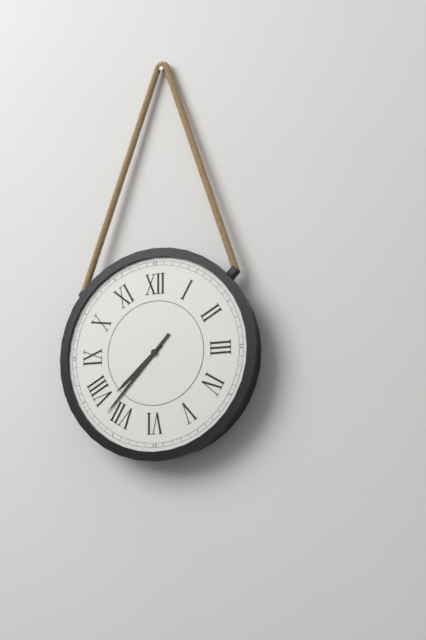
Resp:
7h37
